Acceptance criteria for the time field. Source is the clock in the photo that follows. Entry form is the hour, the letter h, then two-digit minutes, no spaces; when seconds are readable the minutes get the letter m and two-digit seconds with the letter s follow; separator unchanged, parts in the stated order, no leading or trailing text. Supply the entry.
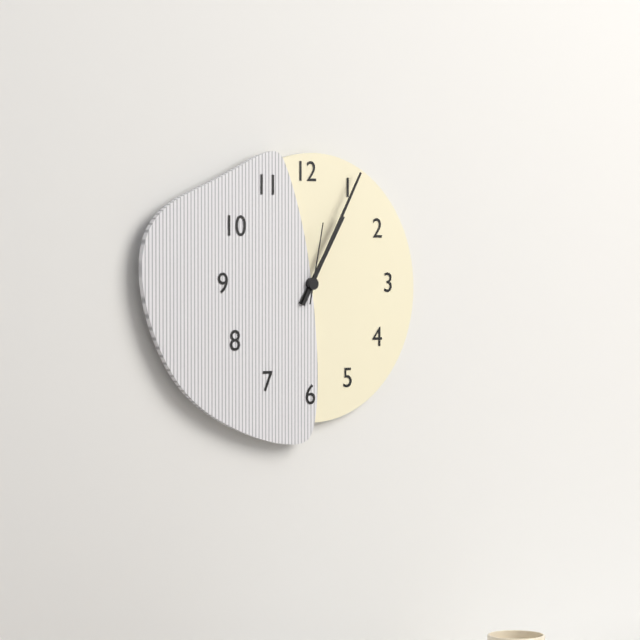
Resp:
1h05m02s
